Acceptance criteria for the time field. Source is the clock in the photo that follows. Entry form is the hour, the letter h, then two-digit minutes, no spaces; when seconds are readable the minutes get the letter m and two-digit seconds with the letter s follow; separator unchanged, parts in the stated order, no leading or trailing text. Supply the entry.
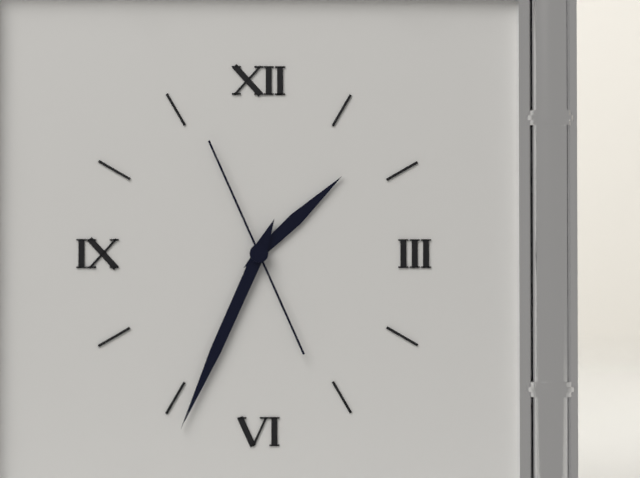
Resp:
1h34m56s
